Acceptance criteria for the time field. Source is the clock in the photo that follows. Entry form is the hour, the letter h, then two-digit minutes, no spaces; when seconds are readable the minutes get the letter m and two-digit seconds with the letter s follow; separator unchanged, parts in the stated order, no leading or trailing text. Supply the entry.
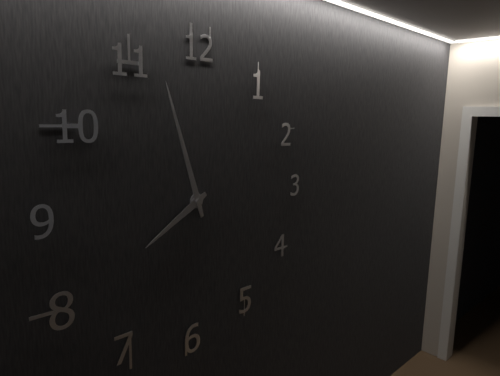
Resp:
7h57
